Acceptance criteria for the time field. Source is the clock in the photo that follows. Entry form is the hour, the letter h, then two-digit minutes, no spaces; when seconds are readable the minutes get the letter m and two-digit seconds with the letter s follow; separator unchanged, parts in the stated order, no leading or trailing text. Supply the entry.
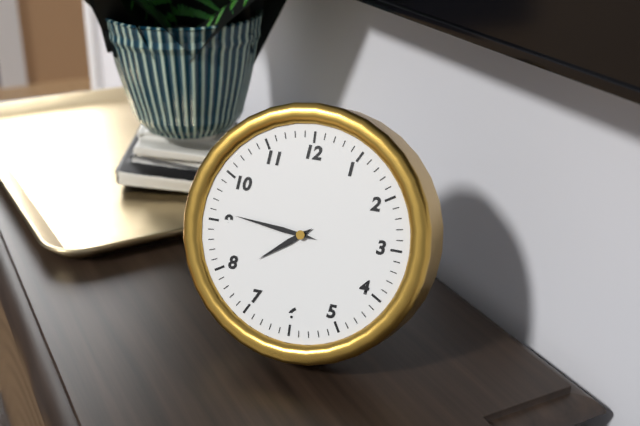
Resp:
7h46
